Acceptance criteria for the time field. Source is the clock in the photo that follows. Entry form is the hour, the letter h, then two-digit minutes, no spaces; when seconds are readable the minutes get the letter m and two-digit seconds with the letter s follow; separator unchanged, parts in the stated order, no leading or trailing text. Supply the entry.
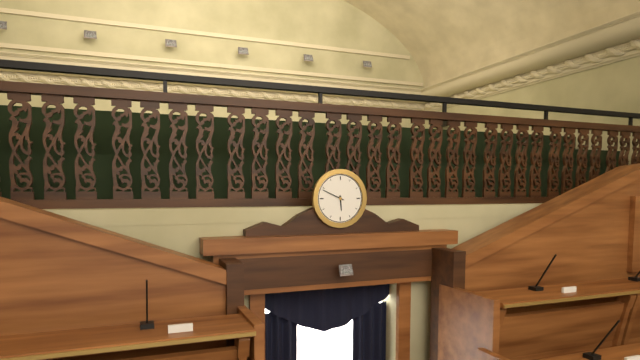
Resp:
5h49
